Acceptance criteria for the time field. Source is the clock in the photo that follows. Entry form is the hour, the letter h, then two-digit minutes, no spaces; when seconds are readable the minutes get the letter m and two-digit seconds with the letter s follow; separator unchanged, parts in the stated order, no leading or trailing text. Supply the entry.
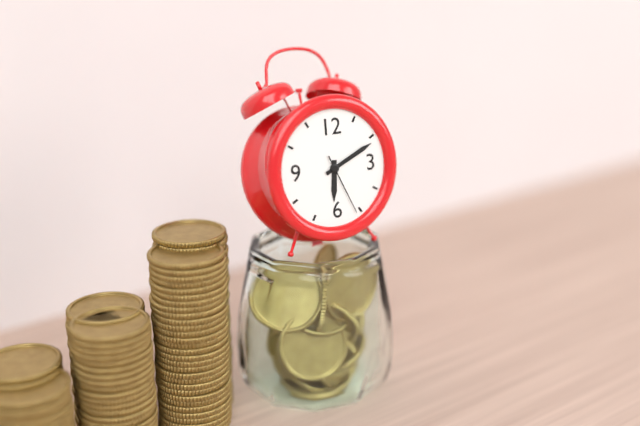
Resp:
6h11m26s
